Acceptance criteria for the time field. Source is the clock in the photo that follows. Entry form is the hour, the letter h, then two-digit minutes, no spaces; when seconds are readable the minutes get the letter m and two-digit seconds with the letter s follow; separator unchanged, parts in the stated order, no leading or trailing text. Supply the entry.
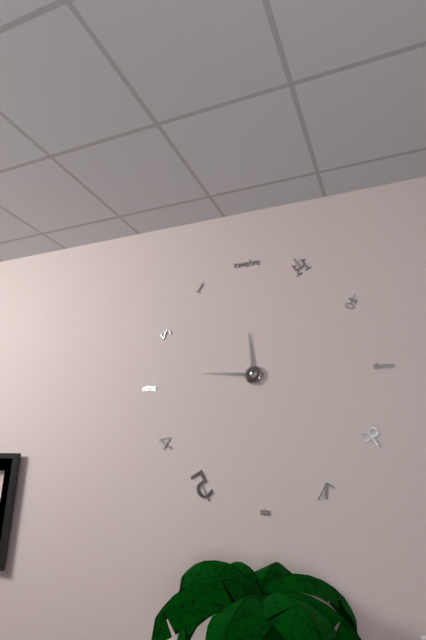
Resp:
11h46
